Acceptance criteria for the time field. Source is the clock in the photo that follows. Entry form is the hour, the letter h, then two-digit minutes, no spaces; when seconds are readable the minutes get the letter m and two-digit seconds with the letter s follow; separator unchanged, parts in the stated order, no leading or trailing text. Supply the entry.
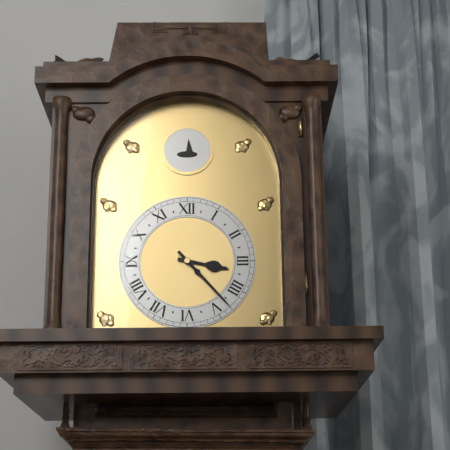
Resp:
3h23
